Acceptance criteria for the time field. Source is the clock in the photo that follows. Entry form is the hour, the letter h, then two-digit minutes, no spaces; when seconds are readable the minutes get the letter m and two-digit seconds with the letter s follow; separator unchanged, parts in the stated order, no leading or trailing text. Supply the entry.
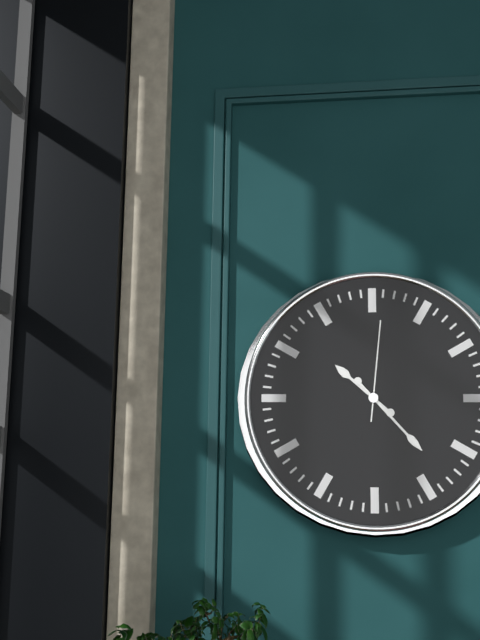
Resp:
10h23m01s
